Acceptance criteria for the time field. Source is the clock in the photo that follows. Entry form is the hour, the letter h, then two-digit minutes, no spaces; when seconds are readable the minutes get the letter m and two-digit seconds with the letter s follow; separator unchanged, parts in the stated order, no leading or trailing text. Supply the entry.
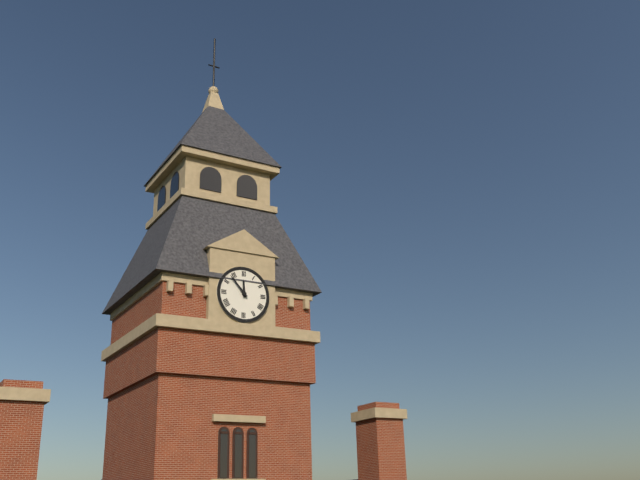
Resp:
11h53
